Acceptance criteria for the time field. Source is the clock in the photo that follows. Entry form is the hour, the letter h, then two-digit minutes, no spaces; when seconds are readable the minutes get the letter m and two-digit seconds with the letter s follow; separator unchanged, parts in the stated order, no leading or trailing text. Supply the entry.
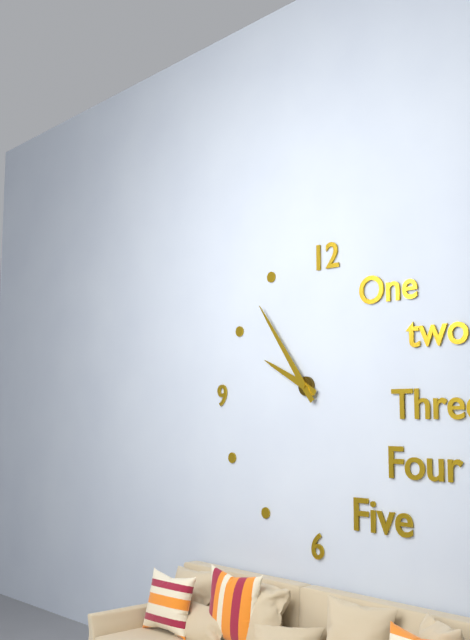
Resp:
9h54
